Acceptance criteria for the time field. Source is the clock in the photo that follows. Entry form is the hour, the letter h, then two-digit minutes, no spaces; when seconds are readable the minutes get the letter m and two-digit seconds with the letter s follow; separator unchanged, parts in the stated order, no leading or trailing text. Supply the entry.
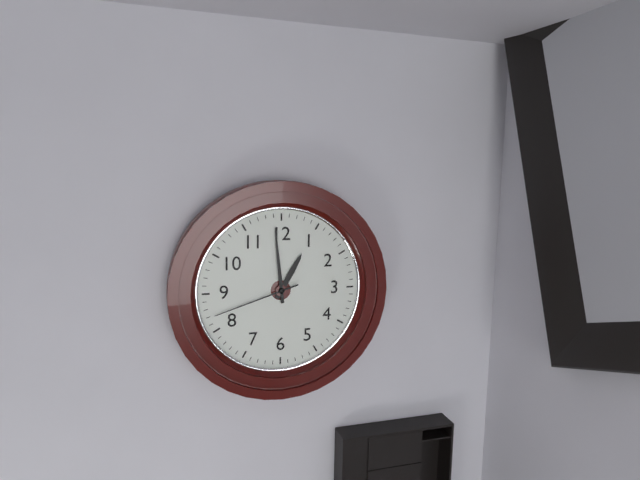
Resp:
12h59m42s
